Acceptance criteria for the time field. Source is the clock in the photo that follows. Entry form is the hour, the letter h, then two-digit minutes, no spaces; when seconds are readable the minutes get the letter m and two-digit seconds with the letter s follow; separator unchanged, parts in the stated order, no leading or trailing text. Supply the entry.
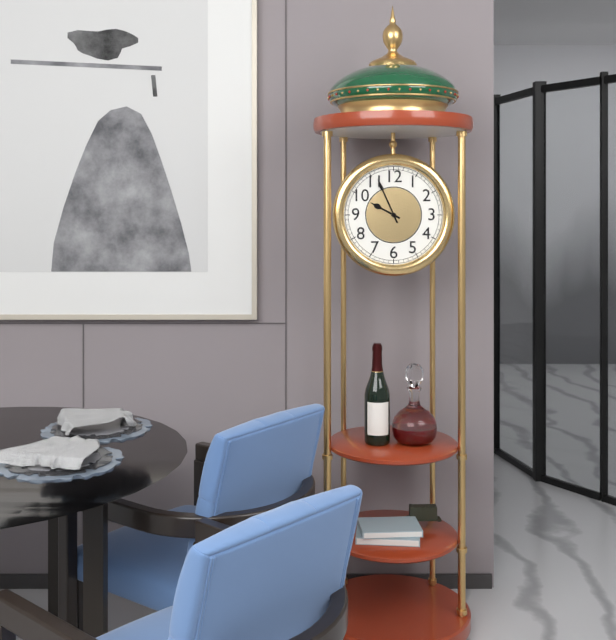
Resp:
9h56
